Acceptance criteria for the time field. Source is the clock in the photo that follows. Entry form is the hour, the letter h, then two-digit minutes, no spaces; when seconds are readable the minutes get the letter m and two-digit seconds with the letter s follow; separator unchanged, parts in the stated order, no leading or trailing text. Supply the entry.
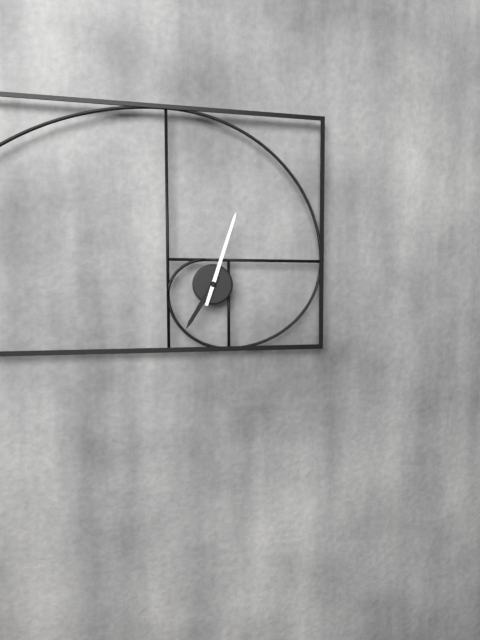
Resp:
7h03
